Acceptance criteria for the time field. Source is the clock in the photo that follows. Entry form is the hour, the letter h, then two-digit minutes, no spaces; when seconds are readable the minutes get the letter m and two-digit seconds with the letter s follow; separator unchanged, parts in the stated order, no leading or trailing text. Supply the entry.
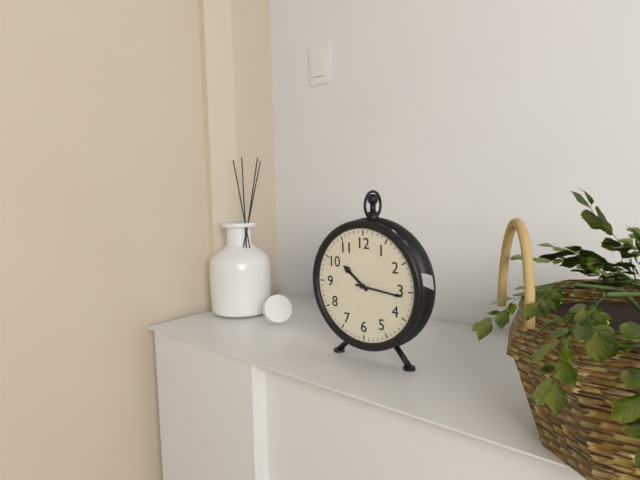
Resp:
10h16
